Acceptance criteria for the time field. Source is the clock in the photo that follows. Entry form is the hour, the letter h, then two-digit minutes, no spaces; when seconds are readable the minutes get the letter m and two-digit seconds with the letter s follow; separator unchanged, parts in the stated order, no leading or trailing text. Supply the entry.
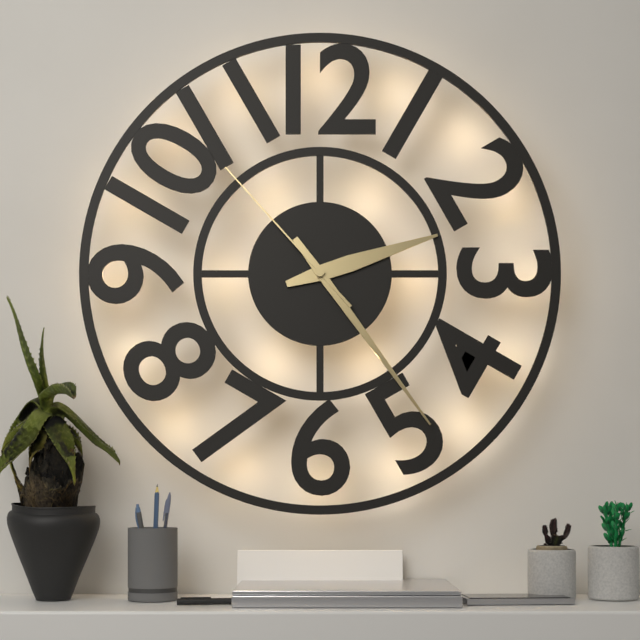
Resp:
2h24m53s
